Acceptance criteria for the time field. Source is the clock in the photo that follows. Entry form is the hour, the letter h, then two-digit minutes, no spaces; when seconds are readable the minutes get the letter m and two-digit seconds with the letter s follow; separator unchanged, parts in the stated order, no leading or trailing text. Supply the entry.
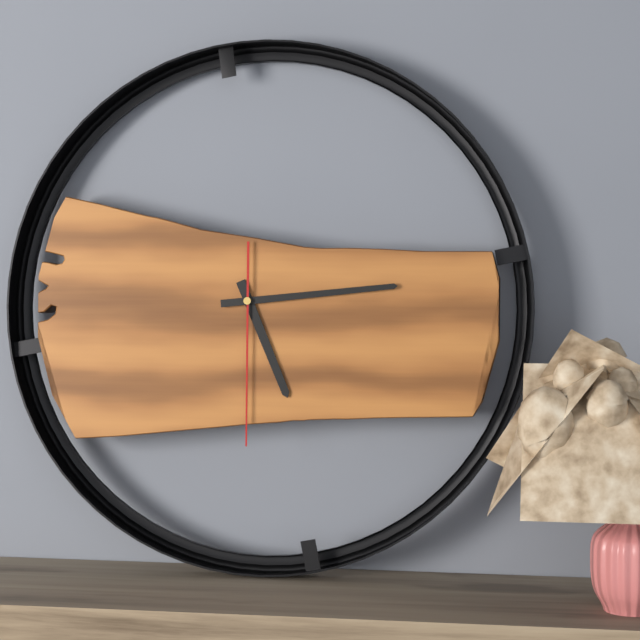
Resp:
5h14m30s
